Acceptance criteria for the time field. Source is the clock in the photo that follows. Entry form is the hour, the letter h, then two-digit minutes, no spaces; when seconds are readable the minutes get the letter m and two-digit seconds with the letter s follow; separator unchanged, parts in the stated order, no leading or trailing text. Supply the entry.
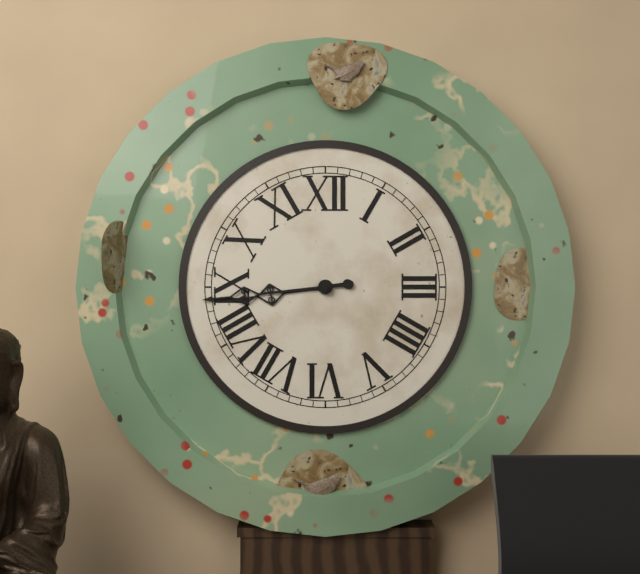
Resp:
8h44
